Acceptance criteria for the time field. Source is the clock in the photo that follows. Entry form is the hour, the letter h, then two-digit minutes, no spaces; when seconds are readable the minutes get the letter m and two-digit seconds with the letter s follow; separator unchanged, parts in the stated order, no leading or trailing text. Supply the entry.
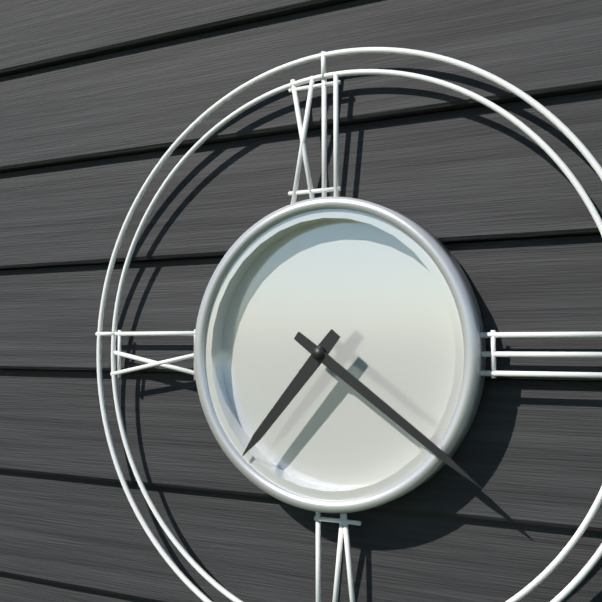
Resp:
7h21
